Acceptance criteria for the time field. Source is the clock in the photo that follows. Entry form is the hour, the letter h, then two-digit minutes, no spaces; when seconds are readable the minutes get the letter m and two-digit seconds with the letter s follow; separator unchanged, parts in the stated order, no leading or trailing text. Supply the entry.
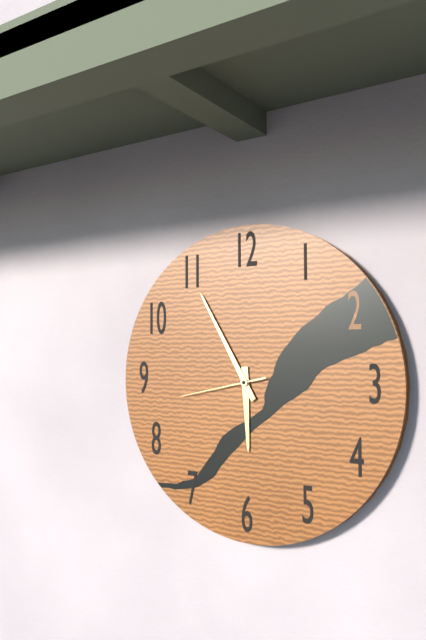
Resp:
5h55m43s
